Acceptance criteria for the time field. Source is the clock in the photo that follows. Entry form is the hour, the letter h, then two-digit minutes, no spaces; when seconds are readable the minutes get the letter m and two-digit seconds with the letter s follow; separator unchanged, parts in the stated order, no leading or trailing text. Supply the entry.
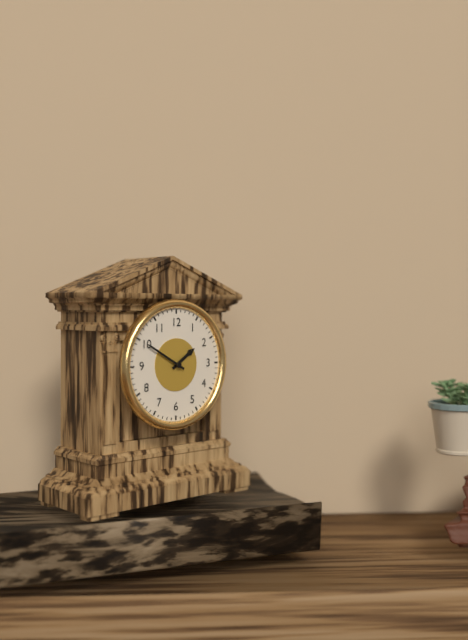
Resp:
1h50
